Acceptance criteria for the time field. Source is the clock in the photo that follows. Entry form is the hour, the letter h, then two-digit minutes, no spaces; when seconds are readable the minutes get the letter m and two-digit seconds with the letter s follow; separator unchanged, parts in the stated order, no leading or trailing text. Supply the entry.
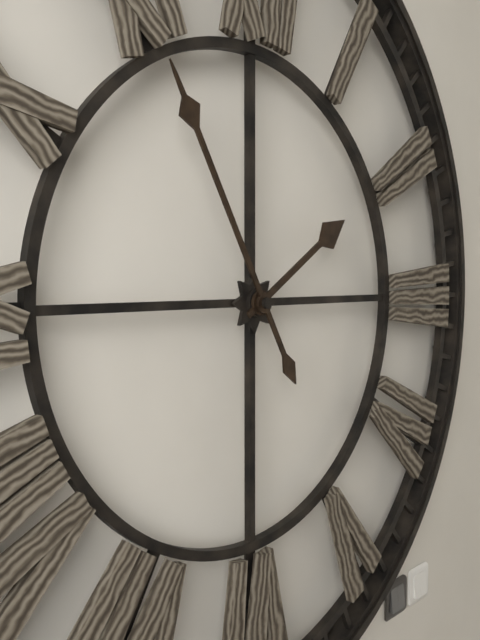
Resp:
1h55
